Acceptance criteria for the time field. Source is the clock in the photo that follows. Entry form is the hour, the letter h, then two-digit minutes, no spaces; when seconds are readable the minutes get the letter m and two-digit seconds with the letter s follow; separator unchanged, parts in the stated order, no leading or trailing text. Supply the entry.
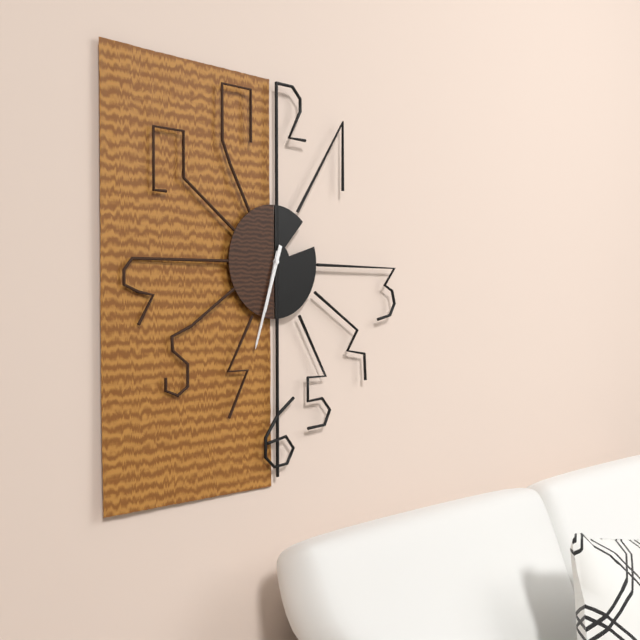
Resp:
6h33
